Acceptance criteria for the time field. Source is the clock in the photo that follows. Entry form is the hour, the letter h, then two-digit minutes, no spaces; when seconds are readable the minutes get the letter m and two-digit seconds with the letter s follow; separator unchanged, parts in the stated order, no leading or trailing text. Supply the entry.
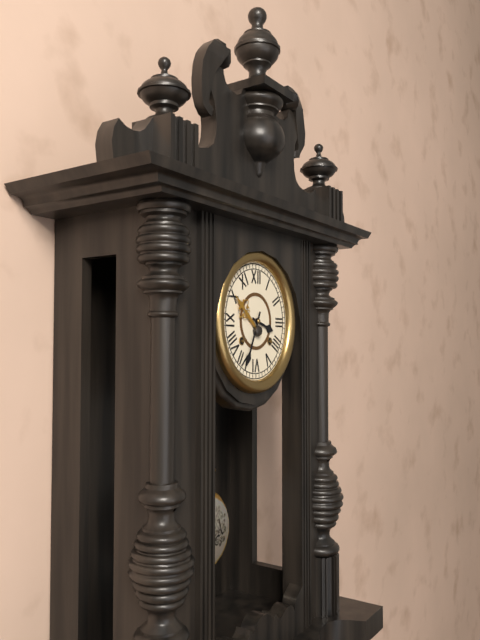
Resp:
3h34
